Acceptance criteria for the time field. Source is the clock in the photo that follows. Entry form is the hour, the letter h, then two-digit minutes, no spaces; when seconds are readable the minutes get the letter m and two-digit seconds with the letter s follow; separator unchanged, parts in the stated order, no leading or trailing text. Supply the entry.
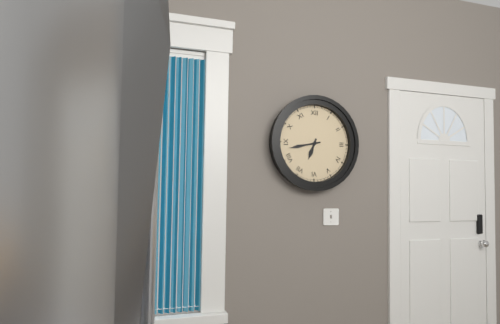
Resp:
6h43
